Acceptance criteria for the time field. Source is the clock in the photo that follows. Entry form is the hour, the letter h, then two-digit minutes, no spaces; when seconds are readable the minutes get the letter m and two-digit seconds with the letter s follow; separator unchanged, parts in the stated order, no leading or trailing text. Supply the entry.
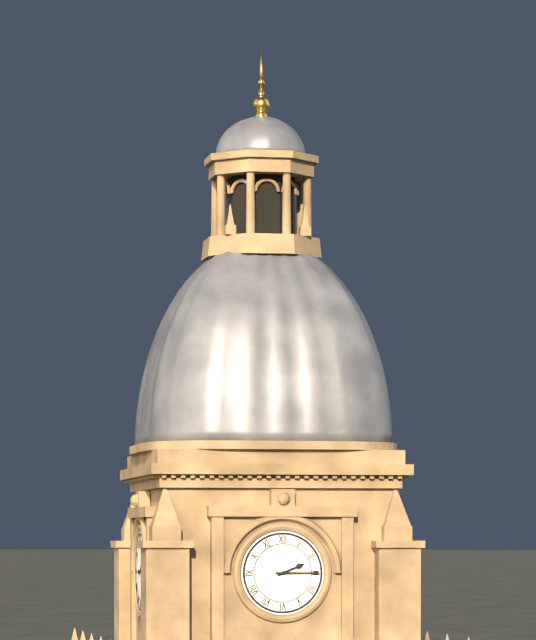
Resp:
2h15
